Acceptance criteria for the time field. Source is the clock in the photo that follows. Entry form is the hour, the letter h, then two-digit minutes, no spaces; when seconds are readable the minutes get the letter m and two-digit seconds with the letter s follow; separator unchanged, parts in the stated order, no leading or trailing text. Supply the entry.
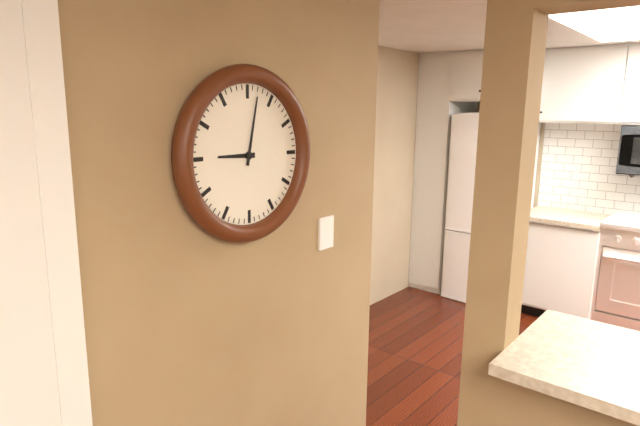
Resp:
9h02
